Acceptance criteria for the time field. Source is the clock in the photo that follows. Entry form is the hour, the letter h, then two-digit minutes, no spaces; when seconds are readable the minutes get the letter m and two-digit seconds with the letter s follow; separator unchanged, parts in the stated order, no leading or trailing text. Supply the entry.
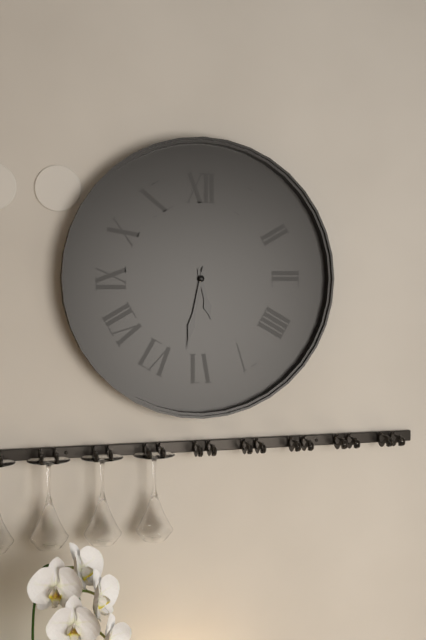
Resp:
5h32
